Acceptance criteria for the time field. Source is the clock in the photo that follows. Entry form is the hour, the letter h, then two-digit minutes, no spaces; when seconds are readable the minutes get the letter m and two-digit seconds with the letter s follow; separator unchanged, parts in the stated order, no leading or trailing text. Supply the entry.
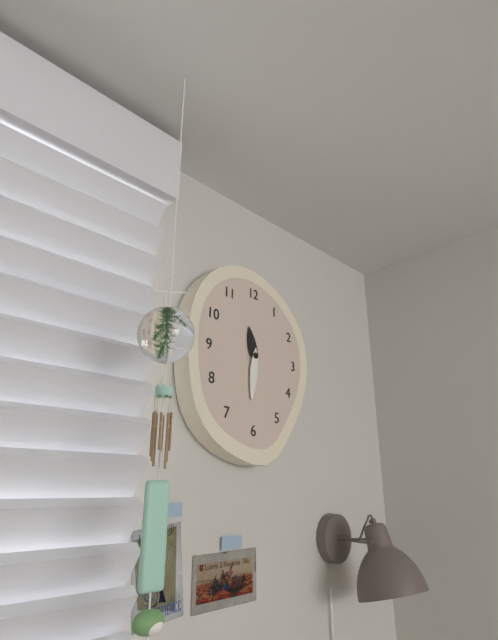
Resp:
11h31
